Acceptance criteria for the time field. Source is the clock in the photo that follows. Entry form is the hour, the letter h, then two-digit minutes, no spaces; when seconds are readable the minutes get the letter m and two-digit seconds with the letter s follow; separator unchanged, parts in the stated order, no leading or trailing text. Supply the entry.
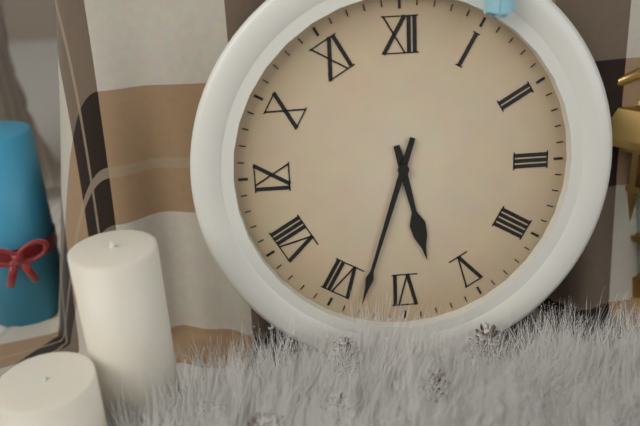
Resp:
5h33
